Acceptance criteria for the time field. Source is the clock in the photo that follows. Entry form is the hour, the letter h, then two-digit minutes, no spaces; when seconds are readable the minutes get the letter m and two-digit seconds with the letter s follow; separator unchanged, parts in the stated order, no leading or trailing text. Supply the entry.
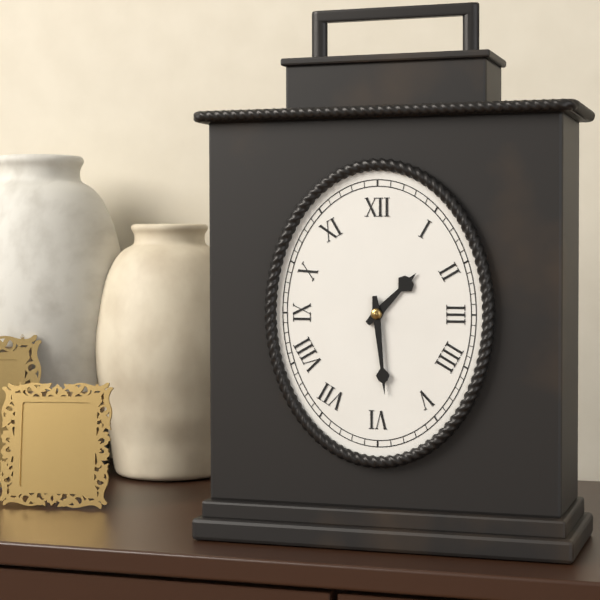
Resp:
1h29
